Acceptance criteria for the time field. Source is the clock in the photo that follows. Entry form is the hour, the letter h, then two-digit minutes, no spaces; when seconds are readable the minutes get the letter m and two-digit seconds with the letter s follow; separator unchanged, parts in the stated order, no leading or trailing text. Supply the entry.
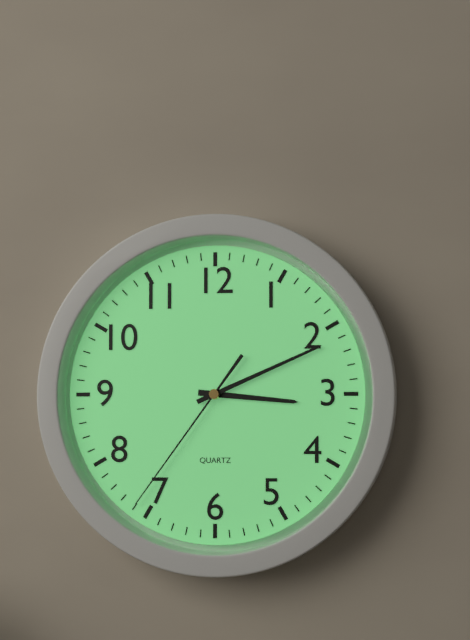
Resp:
3h11m36s
